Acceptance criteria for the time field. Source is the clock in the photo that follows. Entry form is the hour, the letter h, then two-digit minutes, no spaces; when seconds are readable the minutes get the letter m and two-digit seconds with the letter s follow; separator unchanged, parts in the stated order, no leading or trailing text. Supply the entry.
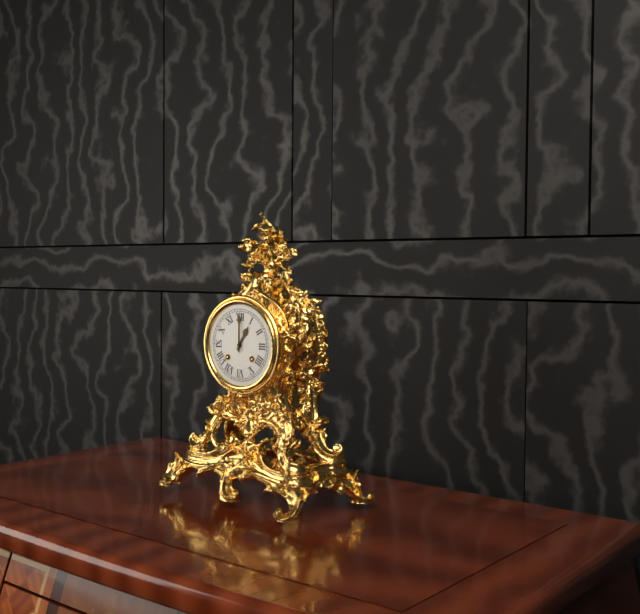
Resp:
1h00
